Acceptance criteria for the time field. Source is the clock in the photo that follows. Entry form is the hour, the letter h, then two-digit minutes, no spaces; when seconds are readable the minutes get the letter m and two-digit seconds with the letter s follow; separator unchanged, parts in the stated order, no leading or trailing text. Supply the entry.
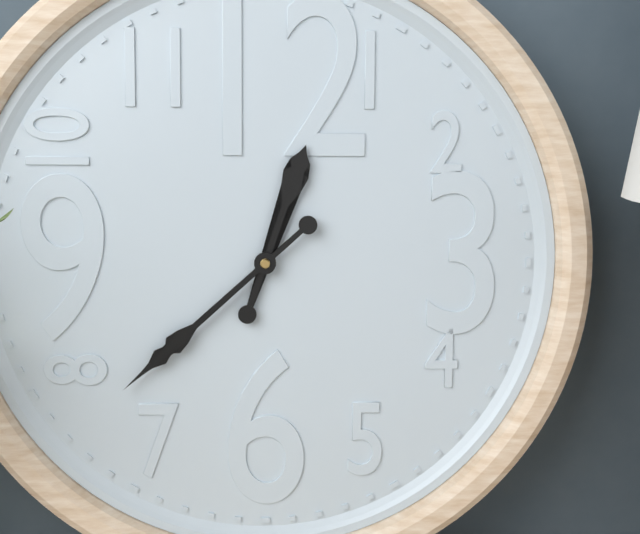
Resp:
12h38
